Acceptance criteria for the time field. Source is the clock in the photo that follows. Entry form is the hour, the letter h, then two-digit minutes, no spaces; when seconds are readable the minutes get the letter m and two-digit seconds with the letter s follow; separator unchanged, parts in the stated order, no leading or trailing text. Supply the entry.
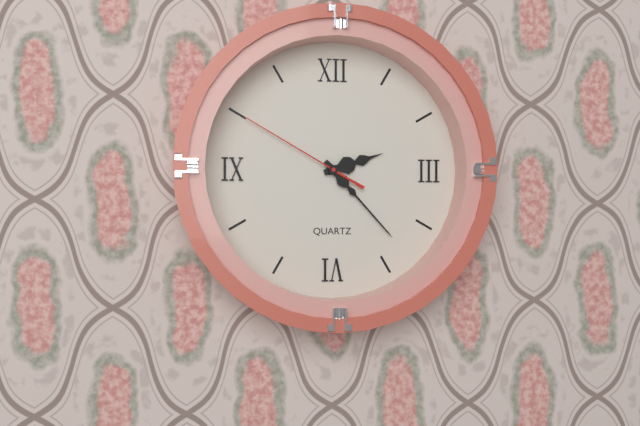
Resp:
2h23m50s
